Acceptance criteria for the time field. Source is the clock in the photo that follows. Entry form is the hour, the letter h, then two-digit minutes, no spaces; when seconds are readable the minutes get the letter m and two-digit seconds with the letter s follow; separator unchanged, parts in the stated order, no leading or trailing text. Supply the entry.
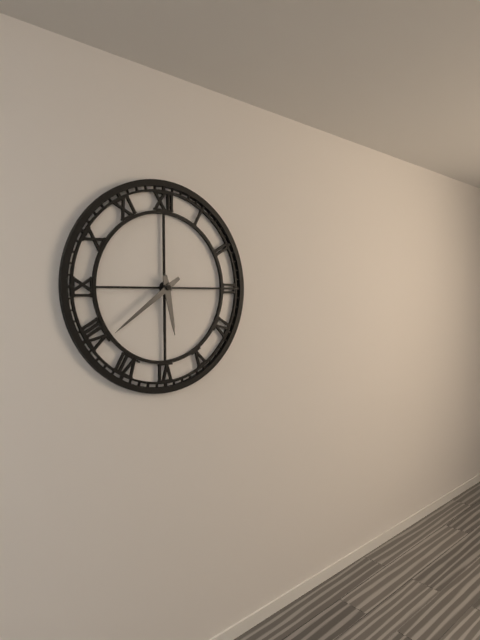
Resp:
5h39
